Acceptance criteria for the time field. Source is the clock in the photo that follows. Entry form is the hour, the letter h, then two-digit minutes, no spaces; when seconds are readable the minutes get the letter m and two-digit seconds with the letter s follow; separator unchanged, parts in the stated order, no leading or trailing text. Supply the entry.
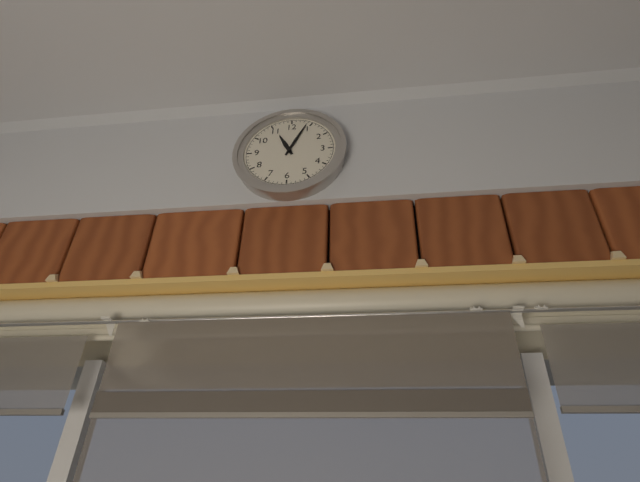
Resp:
11h04
